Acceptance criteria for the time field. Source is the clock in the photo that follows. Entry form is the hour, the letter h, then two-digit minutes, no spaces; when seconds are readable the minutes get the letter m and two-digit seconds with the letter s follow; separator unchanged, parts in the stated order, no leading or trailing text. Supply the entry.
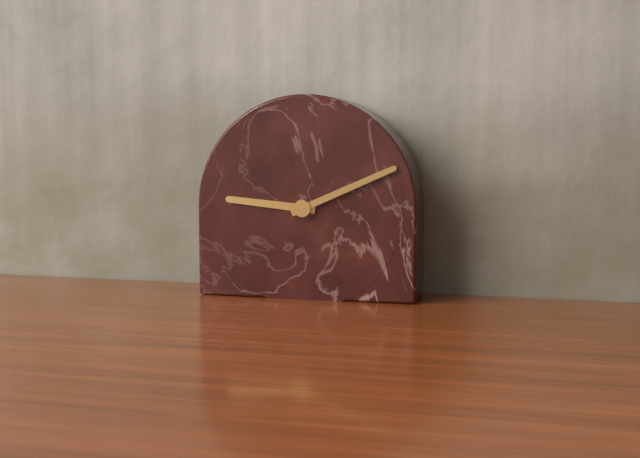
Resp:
9h11
